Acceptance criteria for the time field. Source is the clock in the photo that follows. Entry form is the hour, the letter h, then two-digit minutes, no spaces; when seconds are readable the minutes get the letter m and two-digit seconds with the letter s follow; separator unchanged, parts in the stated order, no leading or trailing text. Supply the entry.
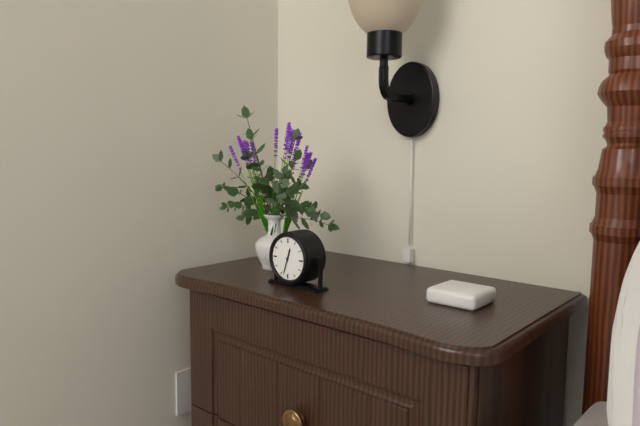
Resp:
12h33
